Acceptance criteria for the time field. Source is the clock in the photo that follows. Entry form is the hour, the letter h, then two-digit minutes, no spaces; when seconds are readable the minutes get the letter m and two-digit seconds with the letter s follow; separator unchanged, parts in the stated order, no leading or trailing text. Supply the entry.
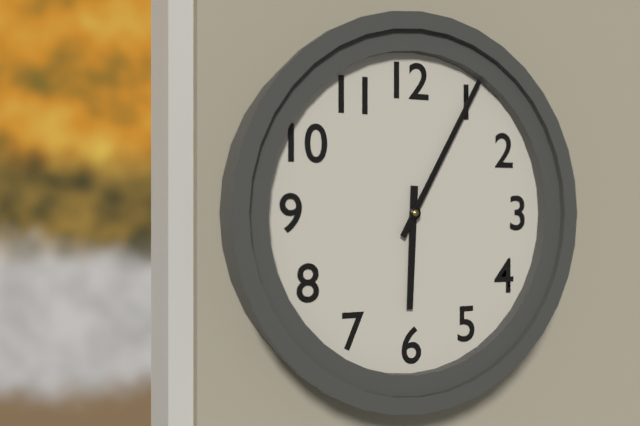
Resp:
6h05
